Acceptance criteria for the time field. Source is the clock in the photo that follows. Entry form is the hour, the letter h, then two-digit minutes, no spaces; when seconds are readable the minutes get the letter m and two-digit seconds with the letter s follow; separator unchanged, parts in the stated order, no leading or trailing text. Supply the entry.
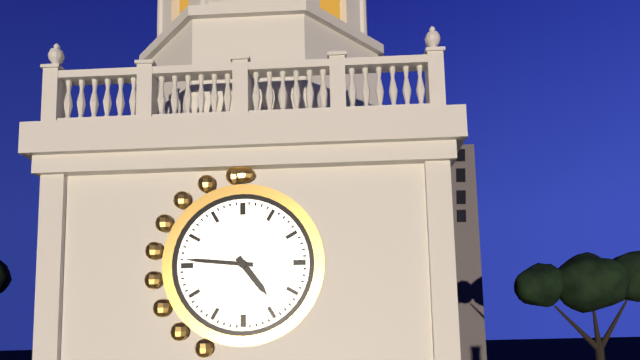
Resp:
4h46
